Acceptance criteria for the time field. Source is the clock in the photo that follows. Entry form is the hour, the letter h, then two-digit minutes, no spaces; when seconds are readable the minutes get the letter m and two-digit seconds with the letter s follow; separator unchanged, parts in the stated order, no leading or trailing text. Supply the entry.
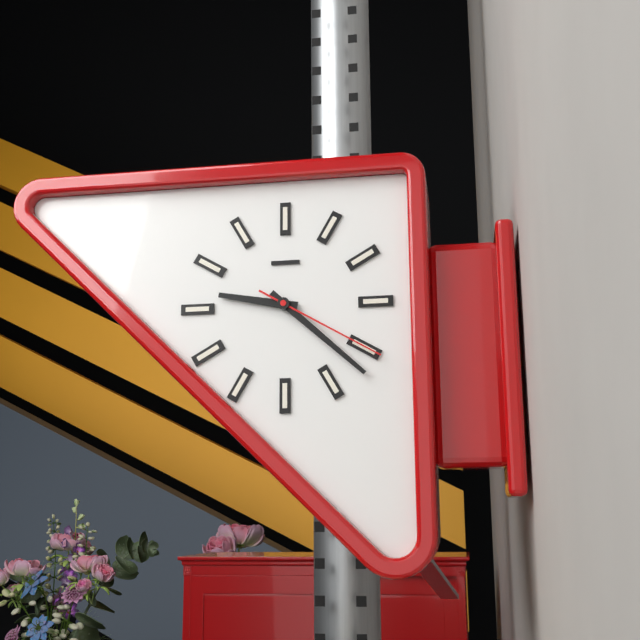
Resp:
9h22m20s
